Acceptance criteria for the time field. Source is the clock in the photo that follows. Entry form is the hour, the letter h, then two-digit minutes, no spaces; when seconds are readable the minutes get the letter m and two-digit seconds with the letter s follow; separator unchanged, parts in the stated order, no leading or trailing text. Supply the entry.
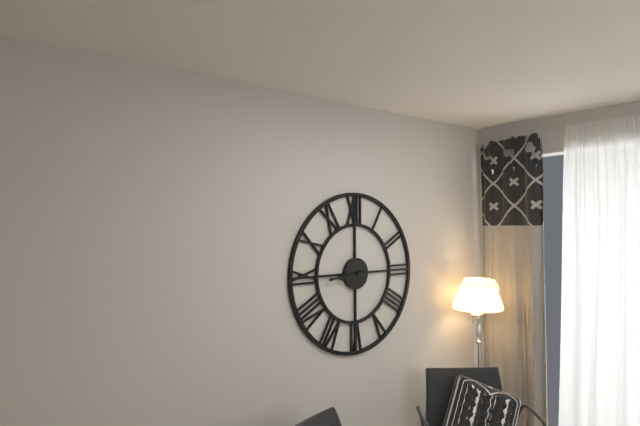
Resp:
8h44
